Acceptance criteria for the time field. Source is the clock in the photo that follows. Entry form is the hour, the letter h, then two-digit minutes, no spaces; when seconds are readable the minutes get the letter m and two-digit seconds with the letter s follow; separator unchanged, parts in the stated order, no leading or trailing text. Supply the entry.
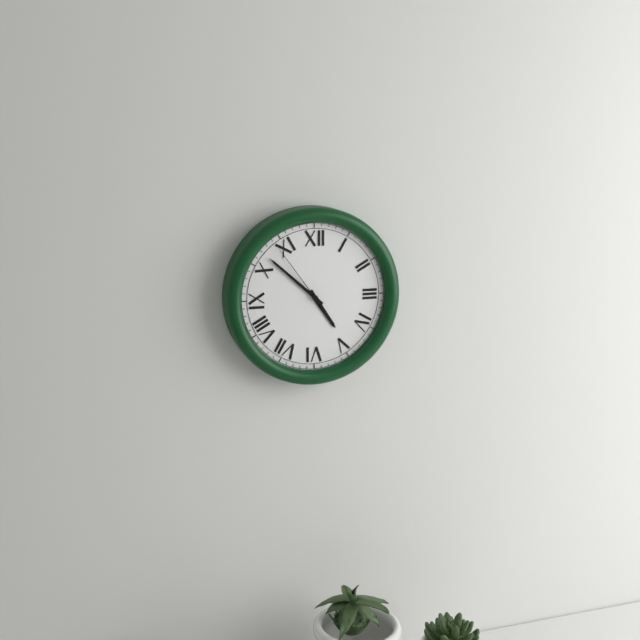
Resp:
4h52m54s
